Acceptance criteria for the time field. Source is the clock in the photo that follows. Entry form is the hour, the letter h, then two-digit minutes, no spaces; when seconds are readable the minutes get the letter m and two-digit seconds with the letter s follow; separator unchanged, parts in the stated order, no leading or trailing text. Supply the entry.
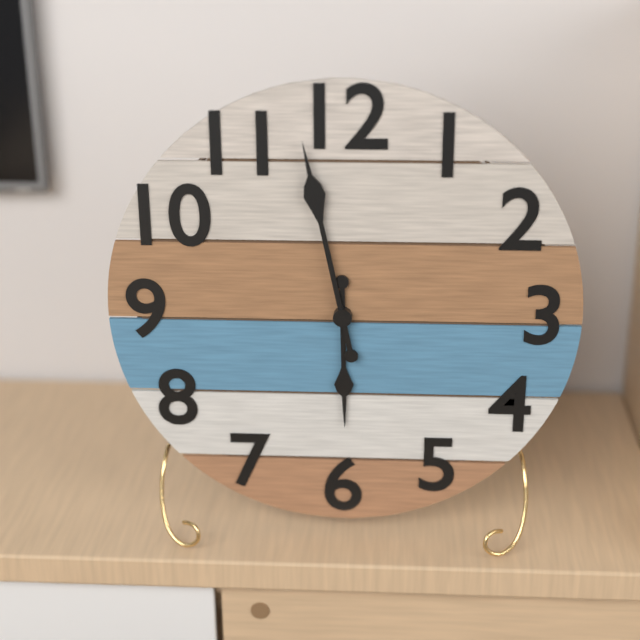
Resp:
5h58
